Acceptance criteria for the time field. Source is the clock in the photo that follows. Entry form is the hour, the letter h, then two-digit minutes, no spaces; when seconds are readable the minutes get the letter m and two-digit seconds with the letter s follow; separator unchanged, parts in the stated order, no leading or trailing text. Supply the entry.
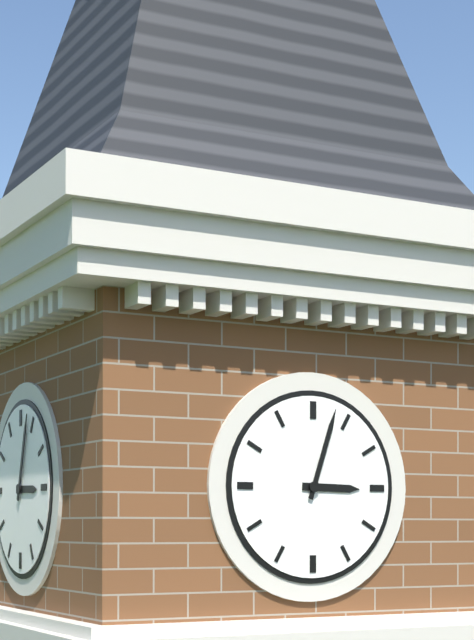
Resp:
3h03
